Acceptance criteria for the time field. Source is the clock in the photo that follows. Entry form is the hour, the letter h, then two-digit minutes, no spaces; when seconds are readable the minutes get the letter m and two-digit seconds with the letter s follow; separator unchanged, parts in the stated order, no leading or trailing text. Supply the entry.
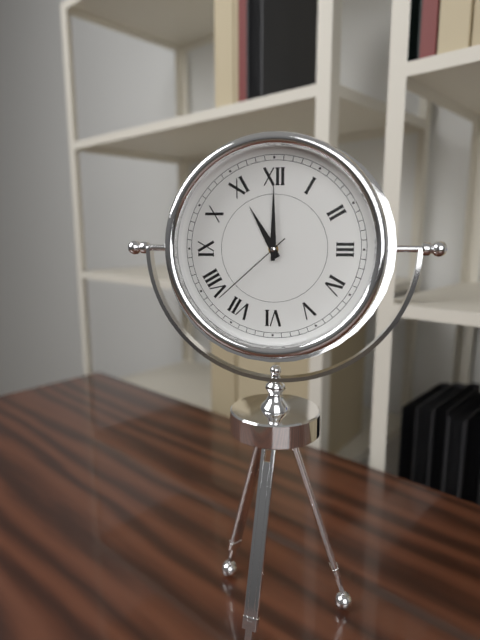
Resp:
11h00m38s
